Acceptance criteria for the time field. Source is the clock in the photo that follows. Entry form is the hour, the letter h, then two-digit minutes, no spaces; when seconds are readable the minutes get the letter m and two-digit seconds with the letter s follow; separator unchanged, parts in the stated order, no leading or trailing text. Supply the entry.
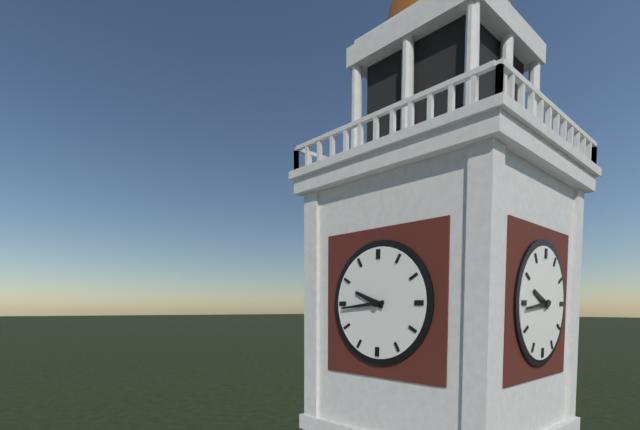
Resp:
9h44
